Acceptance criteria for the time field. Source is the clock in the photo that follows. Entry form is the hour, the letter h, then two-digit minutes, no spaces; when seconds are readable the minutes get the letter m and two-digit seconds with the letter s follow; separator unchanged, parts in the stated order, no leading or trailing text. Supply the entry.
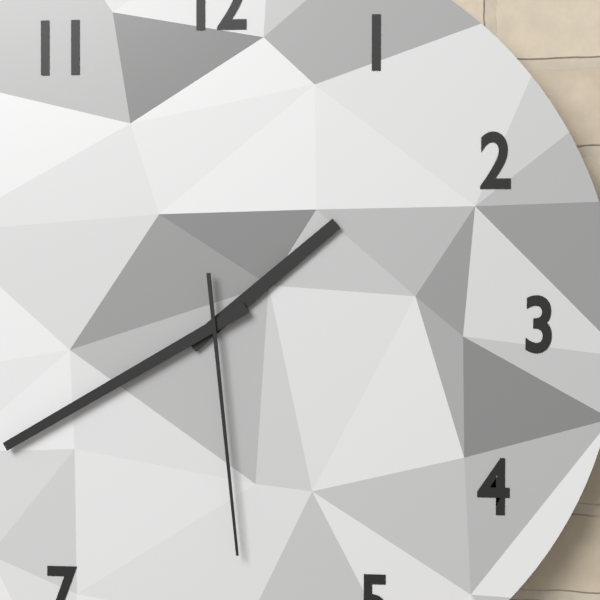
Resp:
1h40m29s
